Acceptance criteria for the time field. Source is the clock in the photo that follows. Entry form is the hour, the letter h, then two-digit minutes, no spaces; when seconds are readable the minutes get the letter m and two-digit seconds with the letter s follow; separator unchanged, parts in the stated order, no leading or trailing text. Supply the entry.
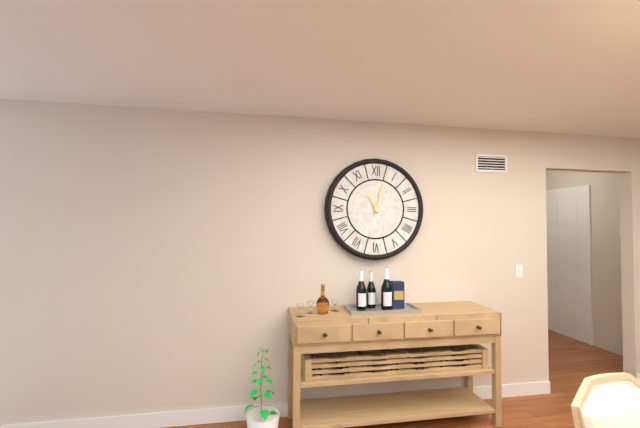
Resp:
11h03
